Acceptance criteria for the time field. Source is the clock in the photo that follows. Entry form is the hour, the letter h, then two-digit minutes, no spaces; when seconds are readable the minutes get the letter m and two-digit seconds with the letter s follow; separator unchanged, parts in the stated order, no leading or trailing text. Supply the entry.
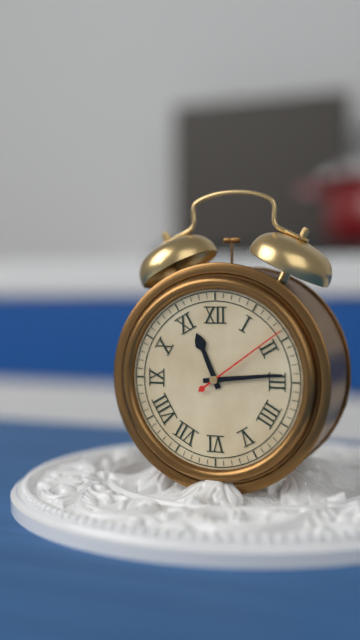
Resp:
11h14m09s
